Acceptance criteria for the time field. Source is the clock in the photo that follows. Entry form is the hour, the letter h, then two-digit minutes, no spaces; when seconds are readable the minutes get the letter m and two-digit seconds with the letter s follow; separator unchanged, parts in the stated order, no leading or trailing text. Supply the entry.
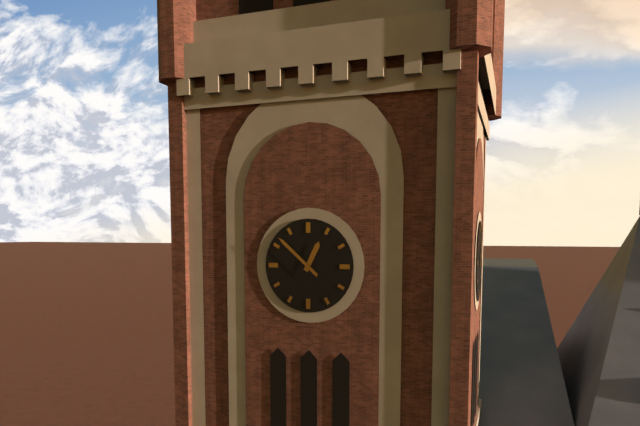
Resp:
12h52
